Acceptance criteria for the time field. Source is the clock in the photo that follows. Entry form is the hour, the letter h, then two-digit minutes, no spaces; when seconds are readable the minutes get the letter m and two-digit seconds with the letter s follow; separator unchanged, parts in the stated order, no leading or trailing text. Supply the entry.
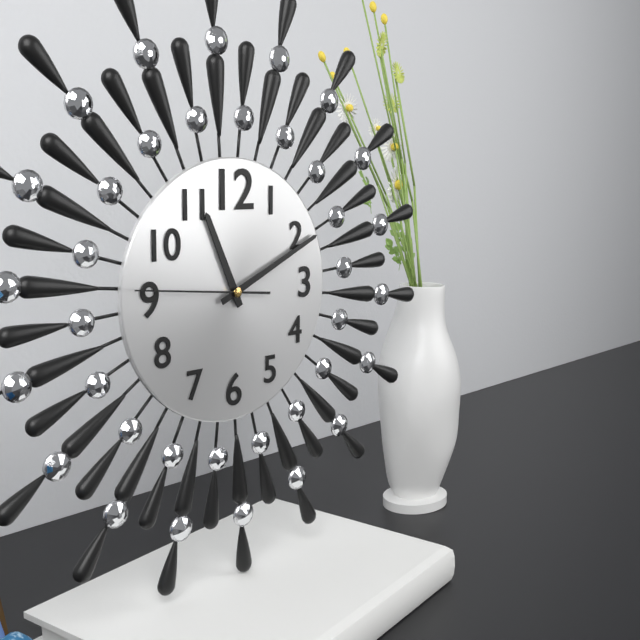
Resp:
11h11m46s
